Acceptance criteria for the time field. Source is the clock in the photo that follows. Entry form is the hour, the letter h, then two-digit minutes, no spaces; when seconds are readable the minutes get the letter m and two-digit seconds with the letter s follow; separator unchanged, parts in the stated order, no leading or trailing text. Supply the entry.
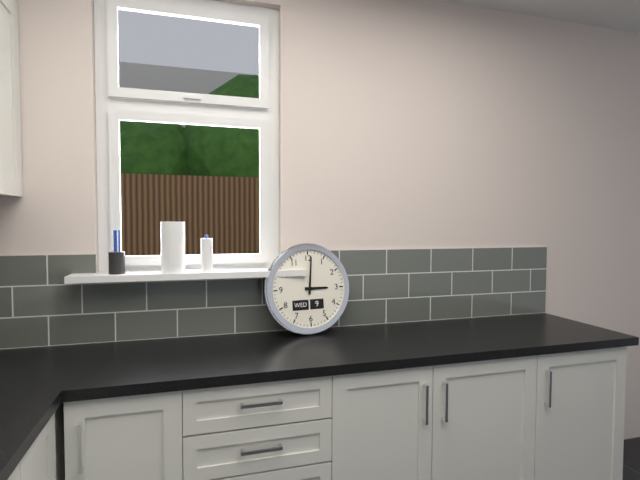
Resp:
3h01
